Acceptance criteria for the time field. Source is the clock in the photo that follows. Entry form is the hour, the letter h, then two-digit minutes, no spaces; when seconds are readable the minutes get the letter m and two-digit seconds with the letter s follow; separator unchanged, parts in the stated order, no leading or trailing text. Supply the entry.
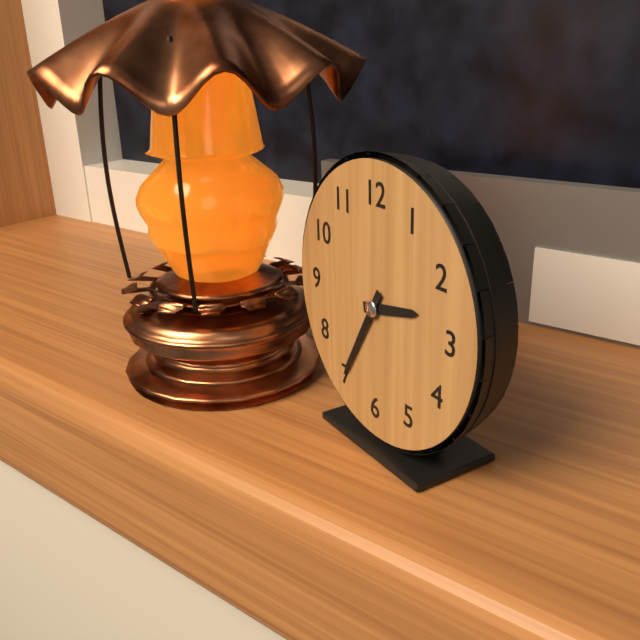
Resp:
2h35
